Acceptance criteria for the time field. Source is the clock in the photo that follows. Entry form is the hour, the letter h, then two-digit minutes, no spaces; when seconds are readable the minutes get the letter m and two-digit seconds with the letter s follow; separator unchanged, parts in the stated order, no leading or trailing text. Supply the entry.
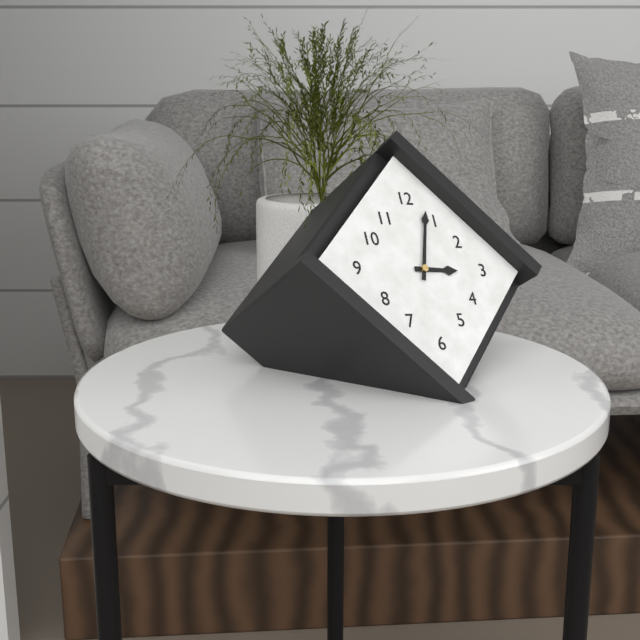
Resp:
3h03
